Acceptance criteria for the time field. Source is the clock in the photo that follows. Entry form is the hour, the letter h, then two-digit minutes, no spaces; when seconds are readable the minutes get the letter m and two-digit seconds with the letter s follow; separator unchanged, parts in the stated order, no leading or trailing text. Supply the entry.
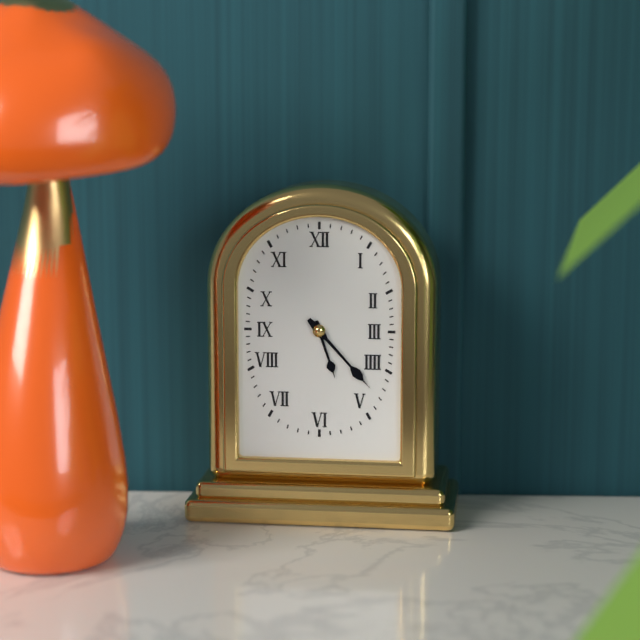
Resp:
5h23
